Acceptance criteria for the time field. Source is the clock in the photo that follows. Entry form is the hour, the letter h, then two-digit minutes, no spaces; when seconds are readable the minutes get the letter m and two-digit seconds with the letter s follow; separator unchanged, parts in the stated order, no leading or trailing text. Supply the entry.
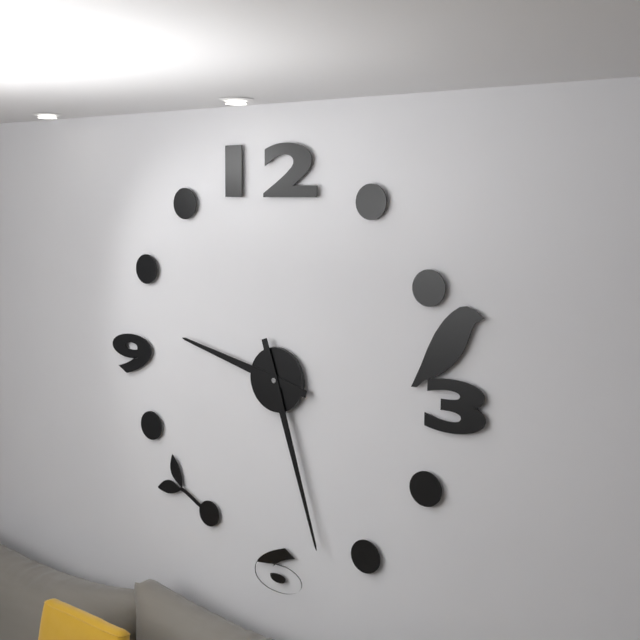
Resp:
9h27
